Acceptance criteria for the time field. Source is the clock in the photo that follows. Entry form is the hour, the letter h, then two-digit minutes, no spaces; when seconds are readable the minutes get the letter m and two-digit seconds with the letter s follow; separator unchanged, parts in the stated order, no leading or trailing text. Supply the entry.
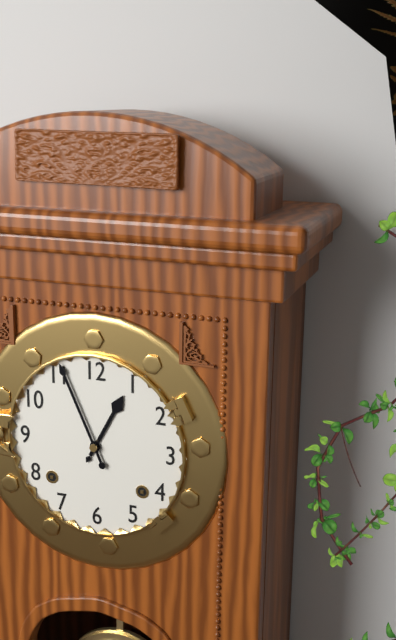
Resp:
12h56
